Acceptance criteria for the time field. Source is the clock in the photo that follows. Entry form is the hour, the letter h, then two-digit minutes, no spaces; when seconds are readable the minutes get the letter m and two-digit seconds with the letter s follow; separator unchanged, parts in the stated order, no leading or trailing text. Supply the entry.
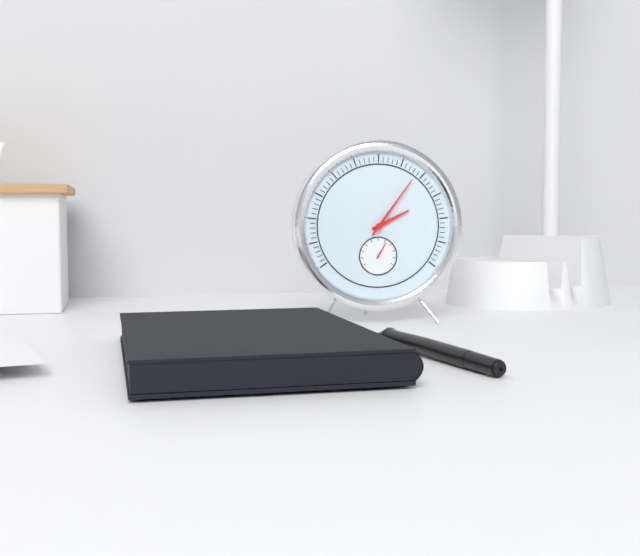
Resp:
2h06
